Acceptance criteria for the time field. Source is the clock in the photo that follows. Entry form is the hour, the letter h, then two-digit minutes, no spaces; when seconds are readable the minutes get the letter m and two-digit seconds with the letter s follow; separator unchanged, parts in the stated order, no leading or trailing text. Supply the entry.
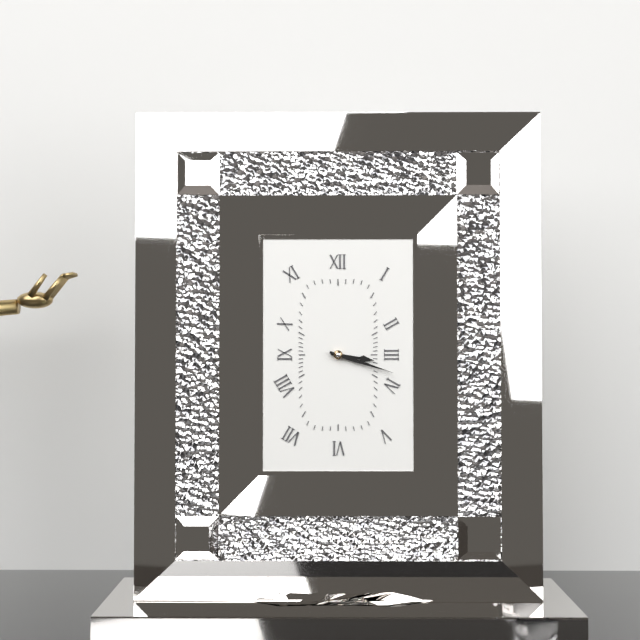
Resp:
3h18
